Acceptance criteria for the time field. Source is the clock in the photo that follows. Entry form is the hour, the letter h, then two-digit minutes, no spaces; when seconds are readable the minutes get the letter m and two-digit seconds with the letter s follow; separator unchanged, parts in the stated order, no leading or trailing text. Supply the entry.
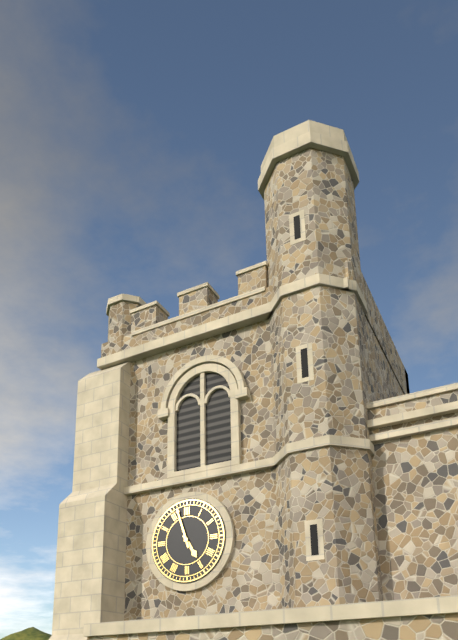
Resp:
4h57
